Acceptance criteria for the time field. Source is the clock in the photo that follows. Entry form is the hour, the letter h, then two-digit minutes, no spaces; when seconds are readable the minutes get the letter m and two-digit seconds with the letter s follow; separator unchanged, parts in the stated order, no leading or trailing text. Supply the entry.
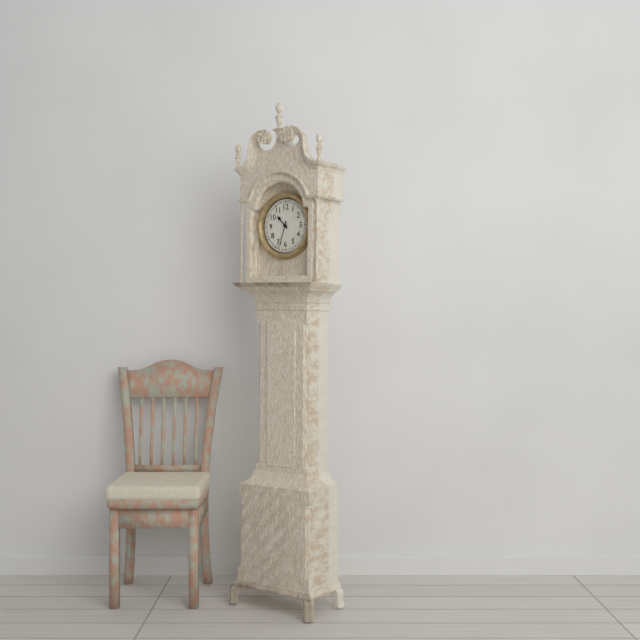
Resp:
10h33
